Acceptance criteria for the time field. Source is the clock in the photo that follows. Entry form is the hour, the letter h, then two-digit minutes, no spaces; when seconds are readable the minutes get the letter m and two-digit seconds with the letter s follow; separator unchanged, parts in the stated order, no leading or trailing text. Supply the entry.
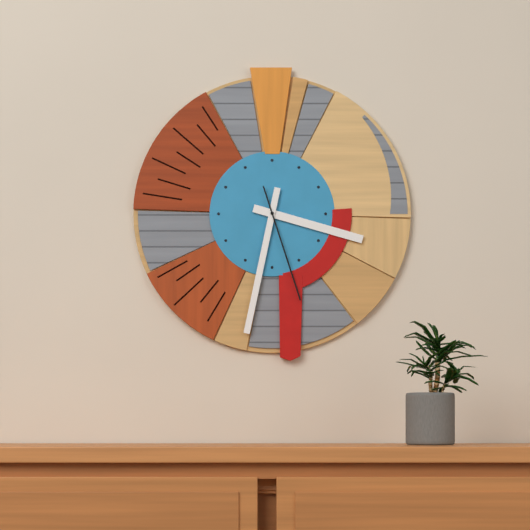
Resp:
3h32m27s
